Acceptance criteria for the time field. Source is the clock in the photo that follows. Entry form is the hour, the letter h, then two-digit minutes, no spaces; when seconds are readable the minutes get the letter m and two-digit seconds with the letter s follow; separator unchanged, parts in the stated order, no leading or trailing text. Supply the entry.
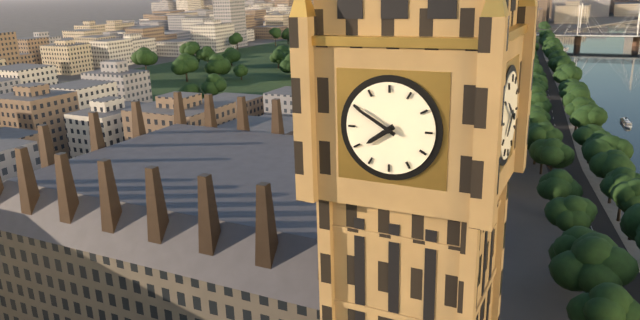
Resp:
7h50
